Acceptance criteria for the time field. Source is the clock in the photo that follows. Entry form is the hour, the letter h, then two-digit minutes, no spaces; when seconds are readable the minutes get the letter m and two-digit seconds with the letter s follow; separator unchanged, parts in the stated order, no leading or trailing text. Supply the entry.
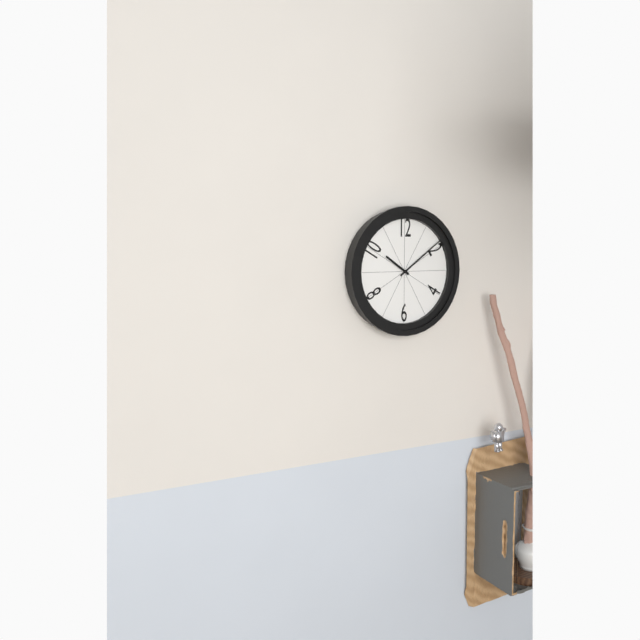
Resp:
10h09
